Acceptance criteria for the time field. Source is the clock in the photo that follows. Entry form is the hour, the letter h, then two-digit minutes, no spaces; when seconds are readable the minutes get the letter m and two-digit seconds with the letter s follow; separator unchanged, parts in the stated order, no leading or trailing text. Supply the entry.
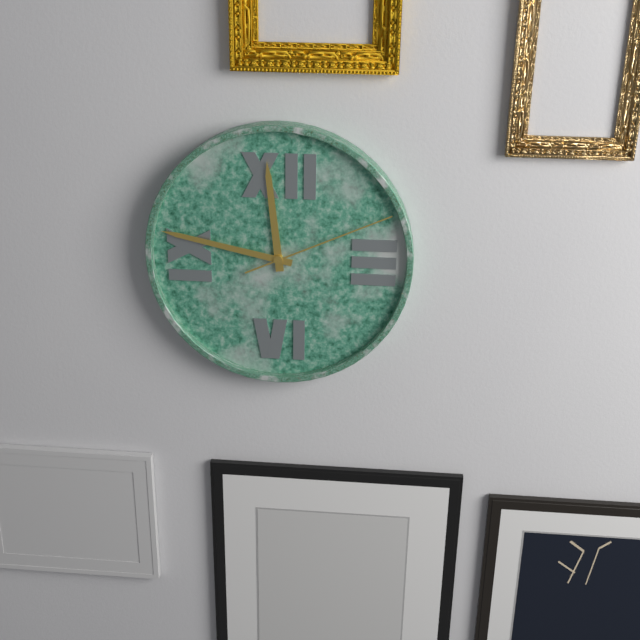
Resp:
11h47m11s
